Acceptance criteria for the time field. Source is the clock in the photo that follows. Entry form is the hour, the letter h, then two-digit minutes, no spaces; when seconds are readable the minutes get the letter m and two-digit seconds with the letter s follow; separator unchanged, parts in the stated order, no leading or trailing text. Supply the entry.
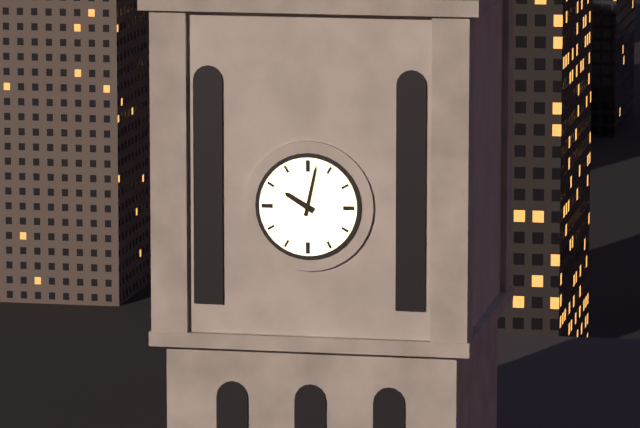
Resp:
10h02
